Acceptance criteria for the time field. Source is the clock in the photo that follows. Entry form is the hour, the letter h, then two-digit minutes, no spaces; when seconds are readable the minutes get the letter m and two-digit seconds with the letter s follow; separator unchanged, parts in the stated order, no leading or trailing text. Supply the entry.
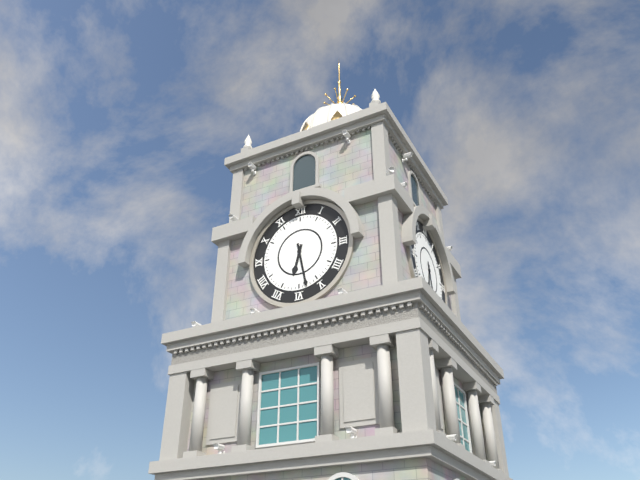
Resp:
6h28
